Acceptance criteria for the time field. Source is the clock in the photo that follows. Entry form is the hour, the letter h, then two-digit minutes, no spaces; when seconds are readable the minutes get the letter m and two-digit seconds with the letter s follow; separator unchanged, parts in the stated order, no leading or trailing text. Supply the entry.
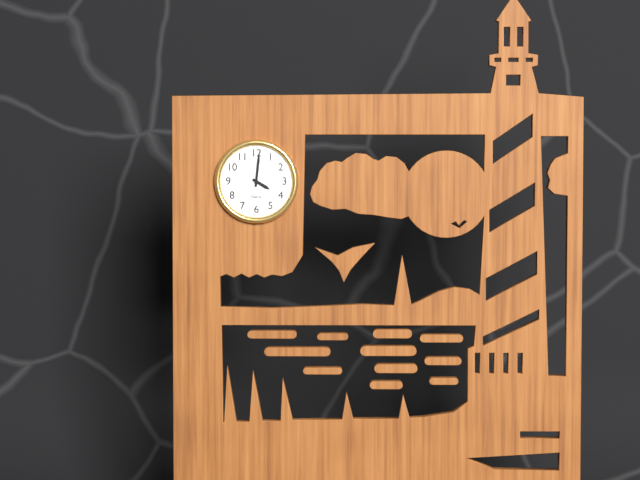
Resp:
4h01
